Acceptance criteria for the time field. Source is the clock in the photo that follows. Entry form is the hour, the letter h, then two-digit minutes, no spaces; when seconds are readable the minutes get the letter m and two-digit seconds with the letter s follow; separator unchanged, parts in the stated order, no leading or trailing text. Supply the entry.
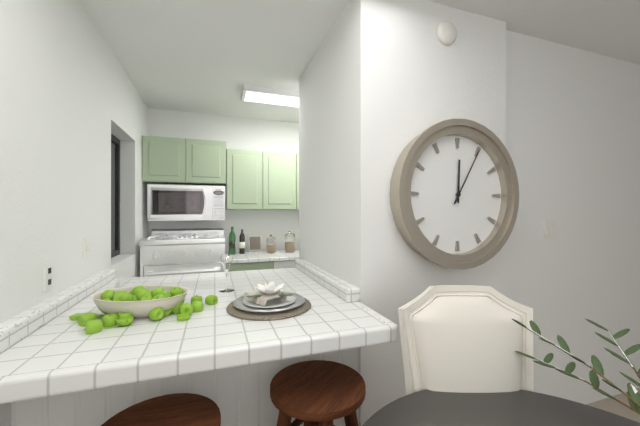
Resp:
12h05
